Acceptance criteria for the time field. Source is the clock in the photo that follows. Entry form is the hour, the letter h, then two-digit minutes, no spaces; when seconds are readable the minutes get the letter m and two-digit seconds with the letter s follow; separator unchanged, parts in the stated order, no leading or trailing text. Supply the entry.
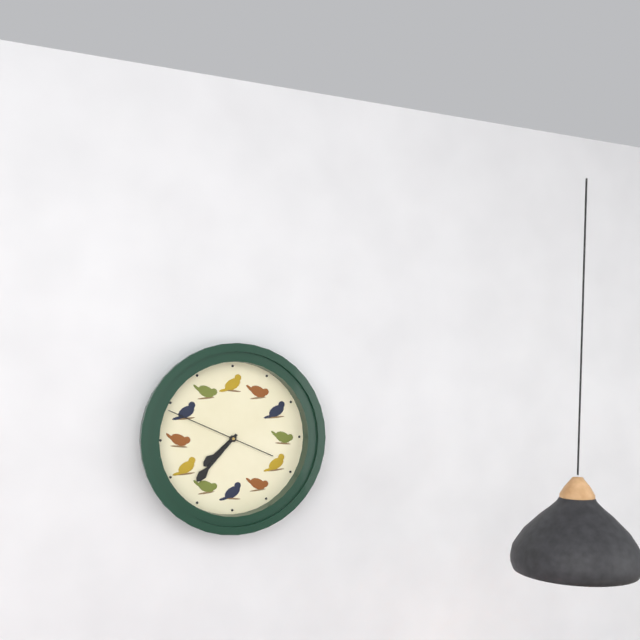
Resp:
7h37m49s
